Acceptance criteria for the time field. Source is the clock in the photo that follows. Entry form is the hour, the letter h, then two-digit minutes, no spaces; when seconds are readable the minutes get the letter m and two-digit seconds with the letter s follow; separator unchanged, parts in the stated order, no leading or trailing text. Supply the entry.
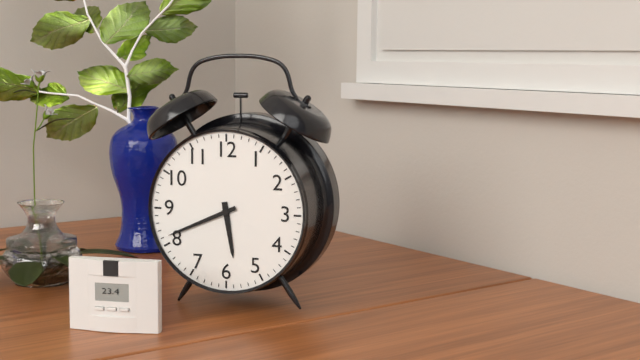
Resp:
5h41
